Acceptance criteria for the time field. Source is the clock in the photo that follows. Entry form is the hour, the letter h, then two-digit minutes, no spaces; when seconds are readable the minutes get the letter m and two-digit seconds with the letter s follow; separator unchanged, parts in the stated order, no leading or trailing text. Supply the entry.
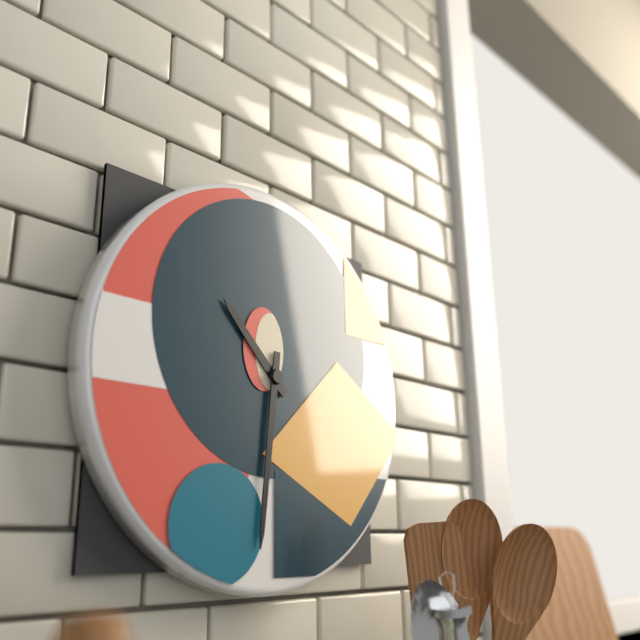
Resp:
10h31
